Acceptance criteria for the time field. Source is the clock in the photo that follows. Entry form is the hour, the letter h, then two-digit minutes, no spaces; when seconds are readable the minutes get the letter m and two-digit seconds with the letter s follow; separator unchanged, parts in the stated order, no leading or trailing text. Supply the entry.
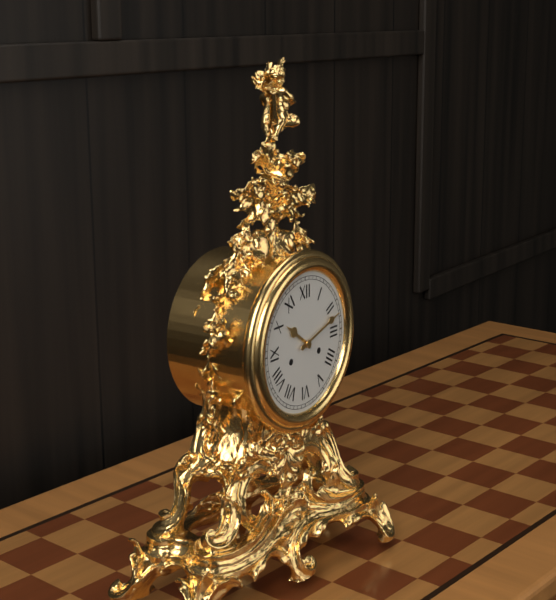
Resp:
10h12
